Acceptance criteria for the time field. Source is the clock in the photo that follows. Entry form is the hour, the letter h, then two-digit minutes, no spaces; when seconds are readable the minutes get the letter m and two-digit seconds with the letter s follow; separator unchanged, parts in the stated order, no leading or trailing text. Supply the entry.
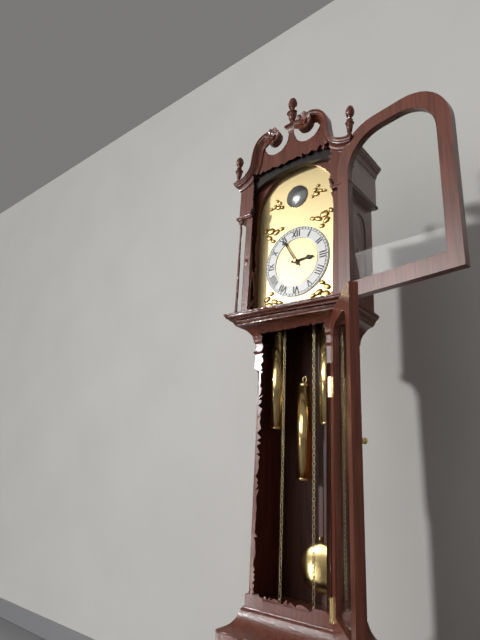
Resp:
2h55
